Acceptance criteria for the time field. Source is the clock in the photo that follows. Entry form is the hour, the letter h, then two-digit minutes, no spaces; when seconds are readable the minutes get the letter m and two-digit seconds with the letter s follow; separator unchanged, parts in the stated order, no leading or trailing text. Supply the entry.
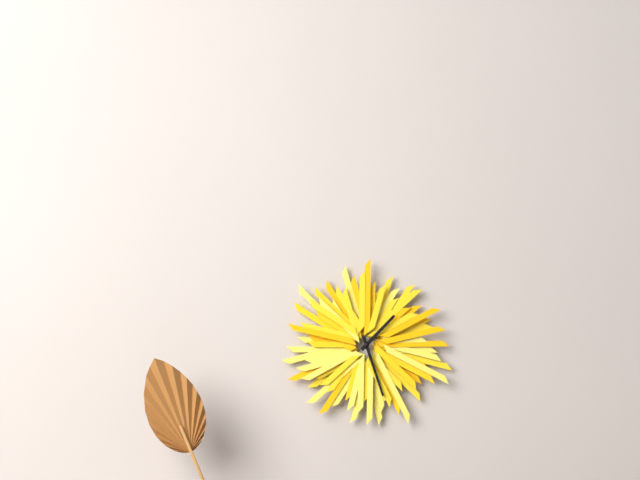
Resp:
1h27
